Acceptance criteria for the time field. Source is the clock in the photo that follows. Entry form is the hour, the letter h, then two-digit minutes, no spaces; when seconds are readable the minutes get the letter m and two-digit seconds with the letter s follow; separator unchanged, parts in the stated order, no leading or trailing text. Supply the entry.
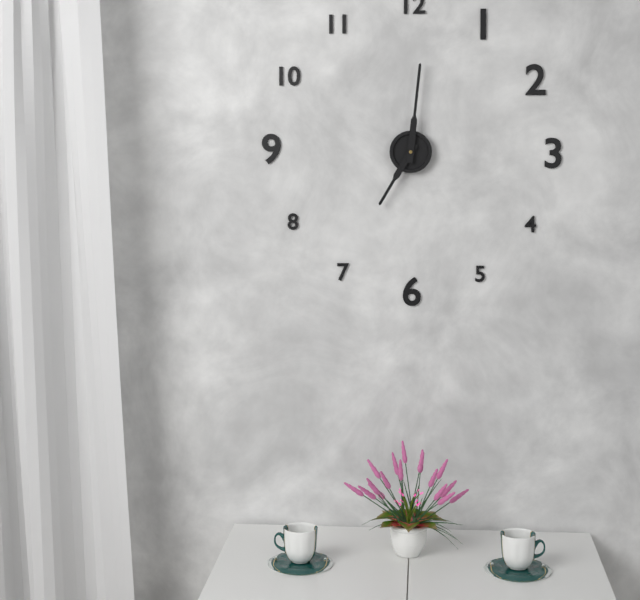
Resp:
7h01
